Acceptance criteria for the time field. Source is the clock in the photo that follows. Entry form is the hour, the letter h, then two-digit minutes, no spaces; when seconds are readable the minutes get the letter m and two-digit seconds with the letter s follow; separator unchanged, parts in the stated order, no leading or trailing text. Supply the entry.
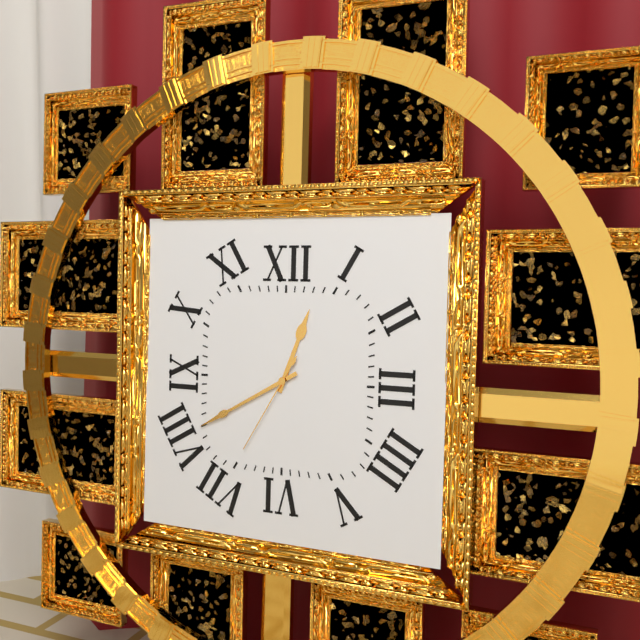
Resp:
12h40m35s
